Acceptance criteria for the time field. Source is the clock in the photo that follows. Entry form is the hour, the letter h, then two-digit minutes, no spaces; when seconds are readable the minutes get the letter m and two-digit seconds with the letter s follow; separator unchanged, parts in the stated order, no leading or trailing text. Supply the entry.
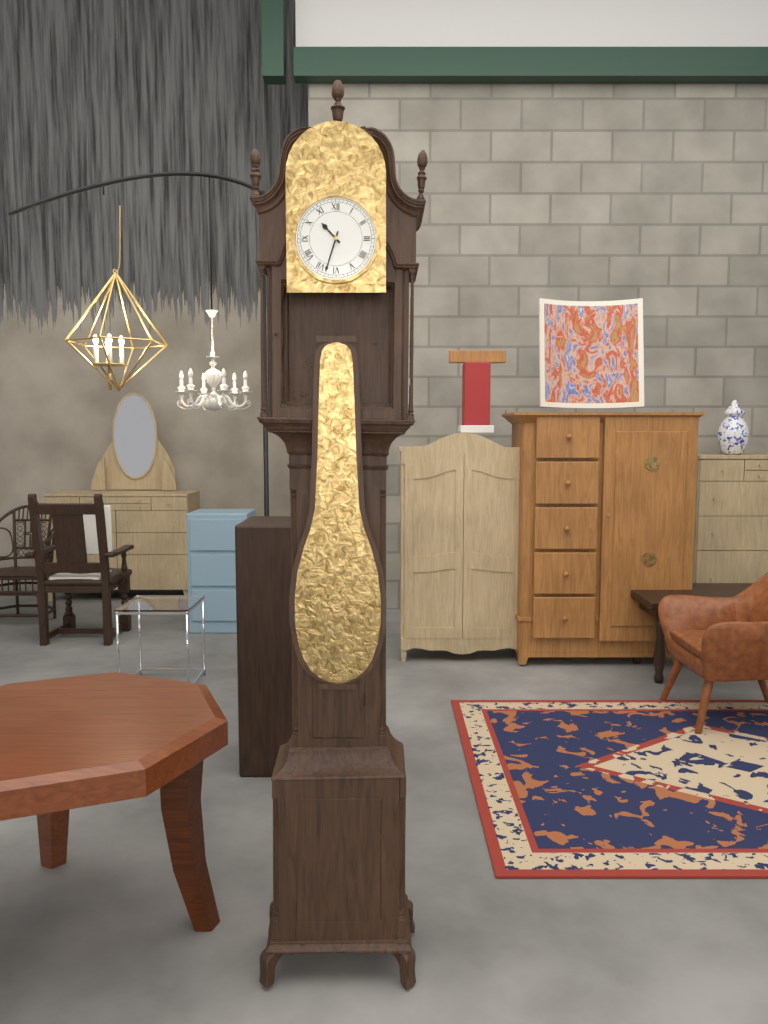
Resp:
10h33
